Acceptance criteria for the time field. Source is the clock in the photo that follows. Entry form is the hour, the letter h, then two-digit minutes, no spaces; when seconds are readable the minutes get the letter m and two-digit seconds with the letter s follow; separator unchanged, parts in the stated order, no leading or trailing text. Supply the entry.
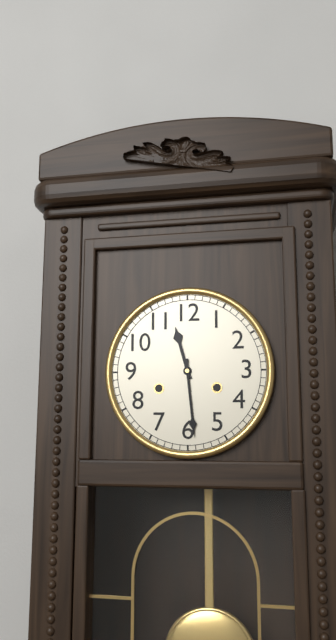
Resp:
11h29
